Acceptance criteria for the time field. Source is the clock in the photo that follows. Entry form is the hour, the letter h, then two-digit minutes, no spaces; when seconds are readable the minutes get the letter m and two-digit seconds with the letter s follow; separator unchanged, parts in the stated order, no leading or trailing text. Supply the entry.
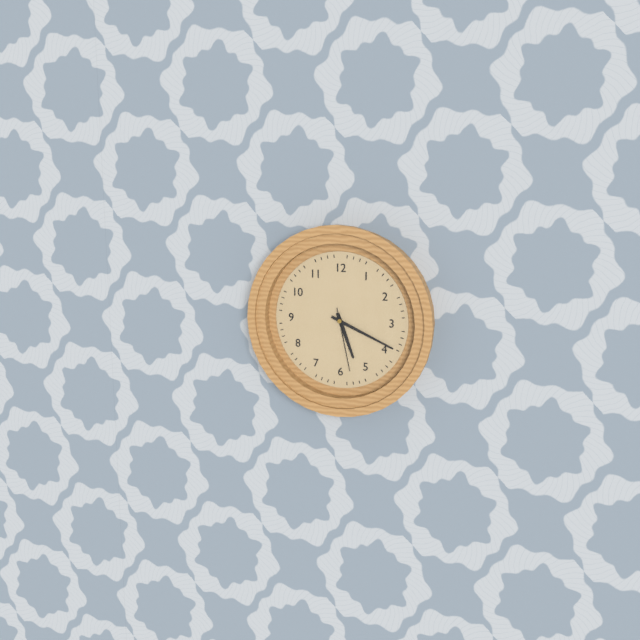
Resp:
5h19m28s
